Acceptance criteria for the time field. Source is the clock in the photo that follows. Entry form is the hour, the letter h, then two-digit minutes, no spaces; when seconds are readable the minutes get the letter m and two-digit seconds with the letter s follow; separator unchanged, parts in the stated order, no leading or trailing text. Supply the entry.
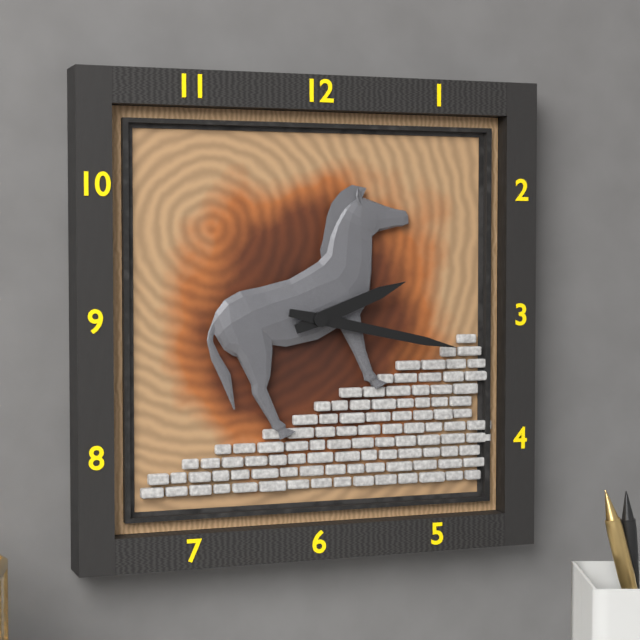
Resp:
2h17
